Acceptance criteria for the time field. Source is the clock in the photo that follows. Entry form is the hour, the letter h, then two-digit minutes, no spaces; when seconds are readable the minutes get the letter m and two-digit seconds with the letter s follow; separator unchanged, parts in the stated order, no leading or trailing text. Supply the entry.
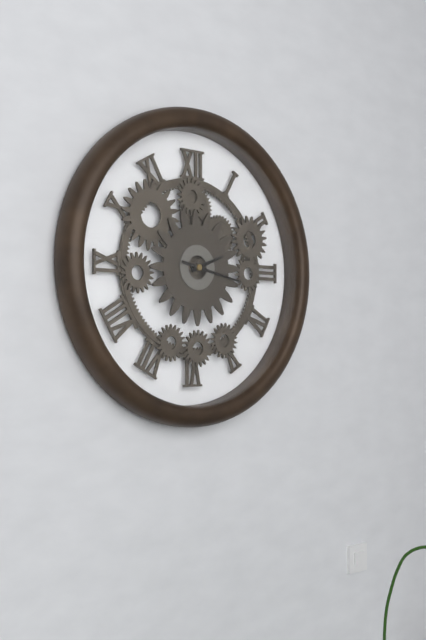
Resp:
2h17
